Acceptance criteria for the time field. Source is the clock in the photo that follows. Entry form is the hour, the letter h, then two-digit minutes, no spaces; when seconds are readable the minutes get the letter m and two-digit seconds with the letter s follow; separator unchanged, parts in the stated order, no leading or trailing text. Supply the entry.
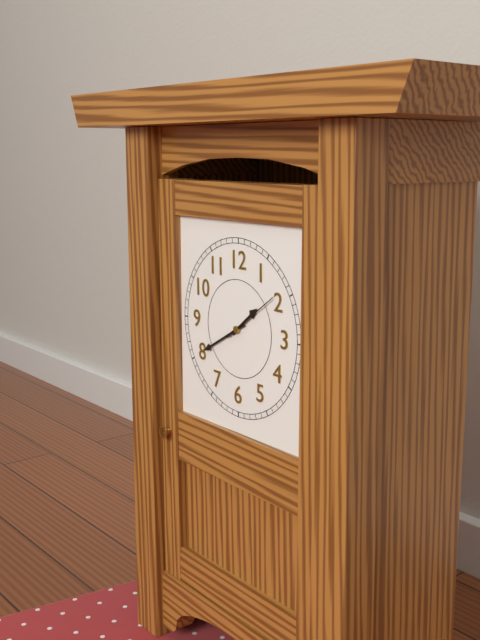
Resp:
1h40m09s
